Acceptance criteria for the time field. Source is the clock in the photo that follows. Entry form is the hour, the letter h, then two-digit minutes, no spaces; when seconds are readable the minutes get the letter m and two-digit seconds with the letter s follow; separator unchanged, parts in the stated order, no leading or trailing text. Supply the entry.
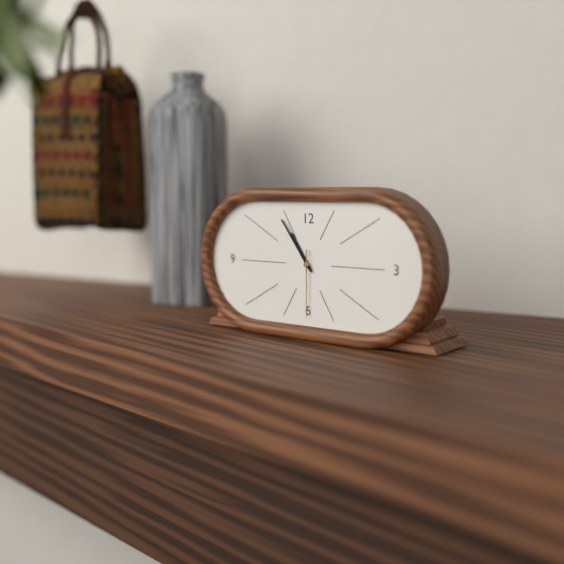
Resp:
10h54m30s
